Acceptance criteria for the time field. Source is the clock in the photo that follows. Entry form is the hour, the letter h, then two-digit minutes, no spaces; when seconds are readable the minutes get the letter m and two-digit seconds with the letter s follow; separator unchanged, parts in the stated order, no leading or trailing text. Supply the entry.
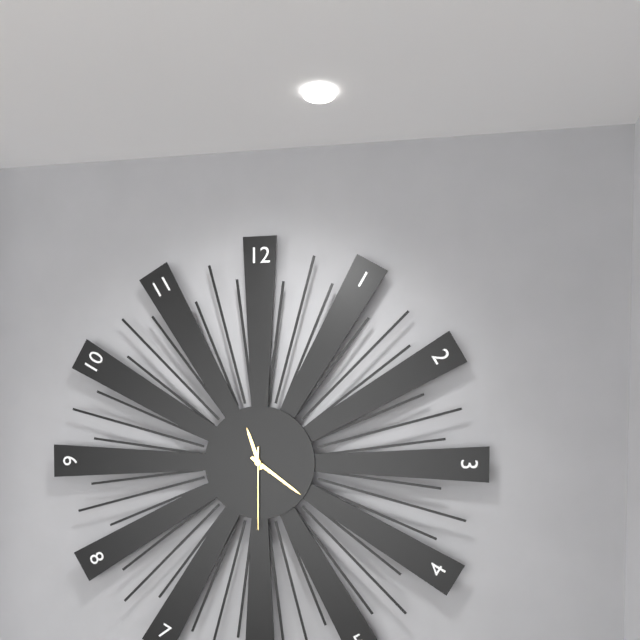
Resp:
11h21m30s
